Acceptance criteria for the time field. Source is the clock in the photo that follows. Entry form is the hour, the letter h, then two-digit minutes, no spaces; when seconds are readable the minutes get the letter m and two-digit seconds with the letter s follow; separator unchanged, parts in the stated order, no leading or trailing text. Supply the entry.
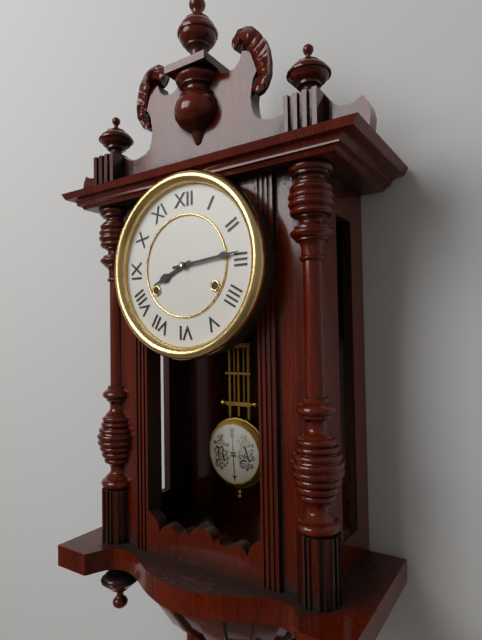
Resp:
8h14
